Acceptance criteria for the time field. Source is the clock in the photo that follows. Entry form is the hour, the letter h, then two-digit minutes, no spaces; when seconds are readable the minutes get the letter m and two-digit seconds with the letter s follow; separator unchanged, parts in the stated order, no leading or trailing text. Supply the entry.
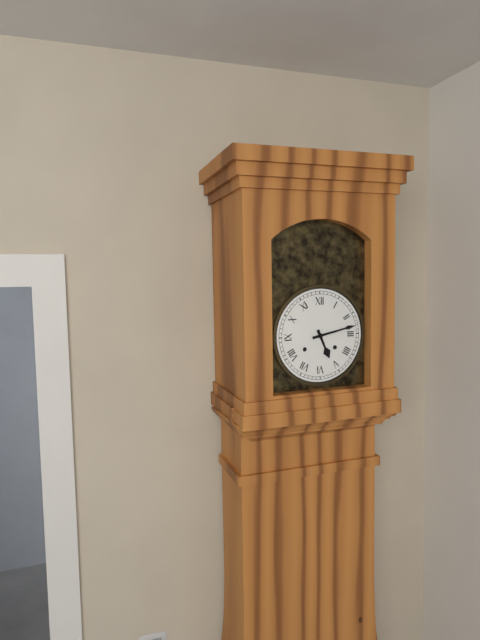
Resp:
5h13
